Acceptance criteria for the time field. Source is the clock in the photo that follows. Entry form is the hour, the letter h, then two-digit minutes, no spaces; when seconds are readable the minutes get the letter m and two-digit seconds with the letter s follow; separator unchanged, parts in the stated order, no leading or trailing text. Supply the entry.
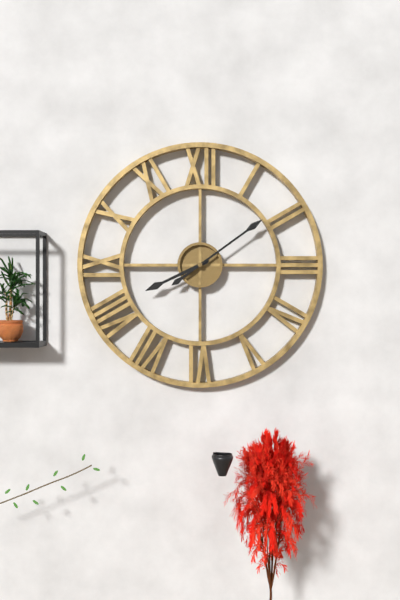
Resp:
8h09
